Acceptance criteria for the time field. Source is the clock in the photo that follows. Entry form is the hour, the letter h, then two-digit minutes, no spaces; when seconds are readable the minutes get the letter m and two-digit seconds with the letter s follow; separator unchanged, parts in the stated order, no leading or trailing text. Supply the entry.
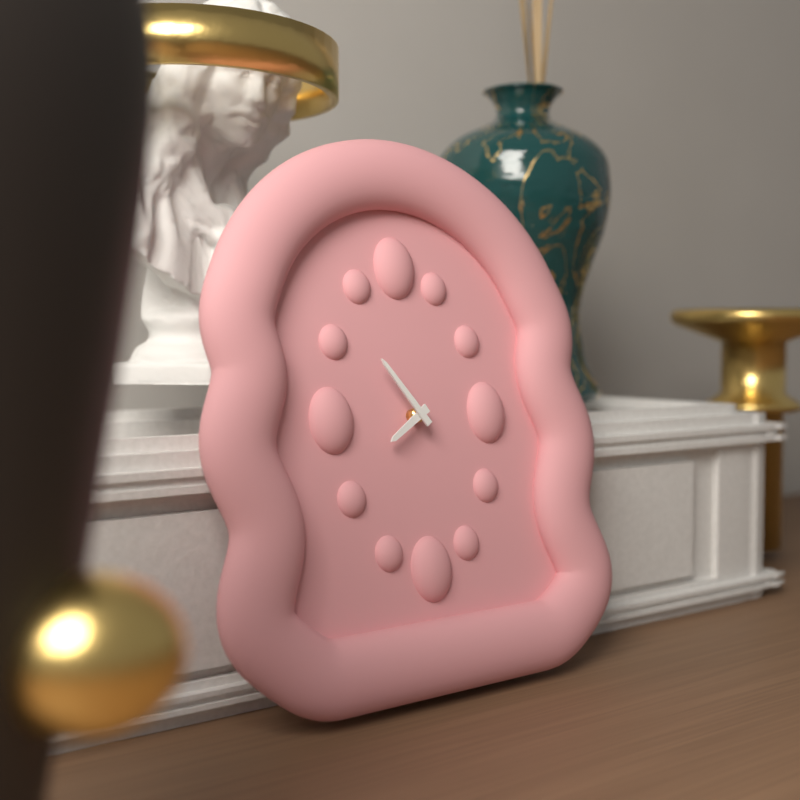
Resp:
7h54
